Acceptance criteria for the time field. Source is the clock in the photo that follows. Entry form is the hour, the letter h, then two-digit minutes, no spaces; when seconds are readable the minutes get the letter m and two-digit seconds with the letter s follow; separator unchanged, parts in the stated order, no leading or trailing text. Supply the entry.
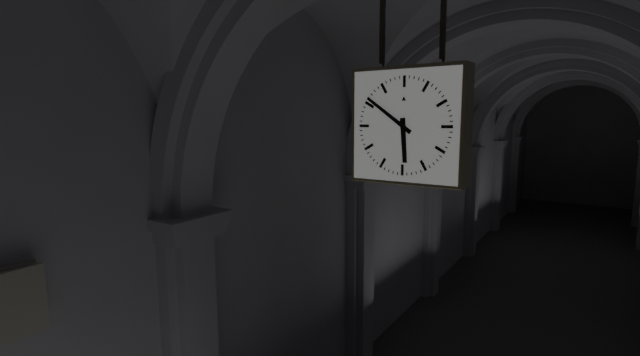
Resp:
5h51
